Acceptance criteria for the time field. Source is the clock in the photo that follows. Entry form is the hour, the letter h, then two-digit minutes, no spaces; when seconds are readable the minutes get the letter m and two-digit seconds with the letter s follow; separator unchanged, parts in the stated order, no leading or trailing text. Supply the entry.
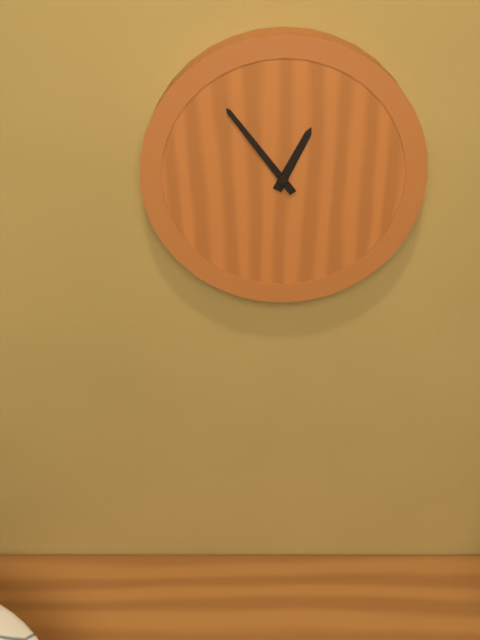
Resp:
12h54
